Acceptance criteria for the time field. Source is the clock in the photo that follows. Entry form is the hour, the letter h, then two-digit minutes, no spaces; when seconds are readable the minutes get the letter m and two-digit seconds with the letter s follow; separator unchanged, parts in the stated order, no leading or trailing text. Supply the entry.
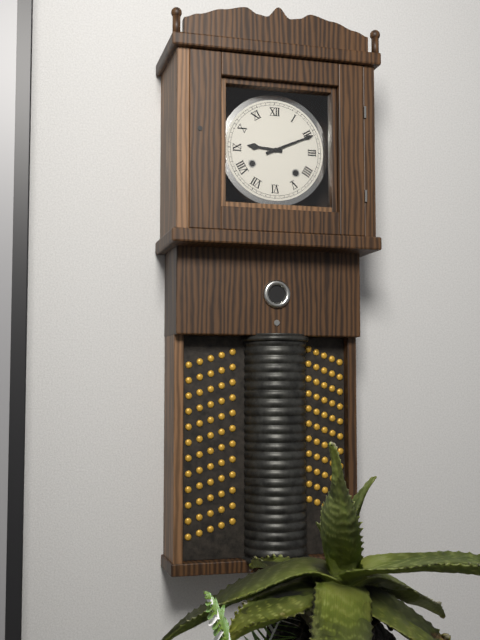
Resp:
9h11
